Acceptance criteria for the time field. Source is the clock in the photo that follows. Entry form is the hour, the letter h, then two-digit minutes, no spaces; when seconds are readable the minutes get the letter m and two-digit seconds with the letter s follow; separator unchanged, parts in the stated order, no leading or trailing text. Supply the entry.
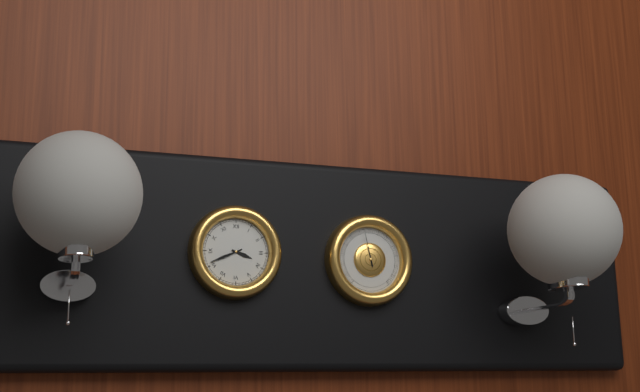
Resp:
3h41
